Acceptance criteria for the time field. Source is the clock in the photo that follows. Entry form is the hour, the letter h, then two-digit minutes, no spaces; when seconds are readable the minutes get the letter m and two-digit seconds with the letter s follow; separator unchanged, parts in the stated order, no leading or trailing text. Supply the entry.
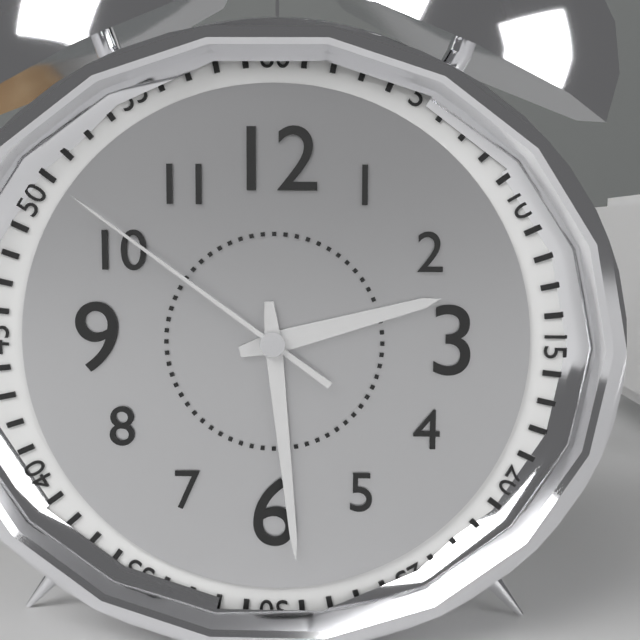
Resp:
2h29m51s
